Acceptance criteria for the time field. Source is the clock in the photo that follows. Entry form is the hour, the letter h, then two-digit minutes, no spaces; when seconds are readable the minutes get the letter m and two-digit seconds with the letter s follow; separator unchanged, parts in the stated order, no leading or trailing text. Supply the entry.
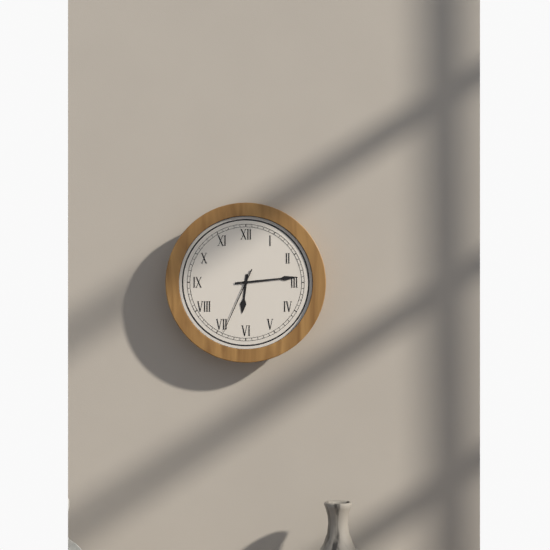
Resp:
6h14m34s
